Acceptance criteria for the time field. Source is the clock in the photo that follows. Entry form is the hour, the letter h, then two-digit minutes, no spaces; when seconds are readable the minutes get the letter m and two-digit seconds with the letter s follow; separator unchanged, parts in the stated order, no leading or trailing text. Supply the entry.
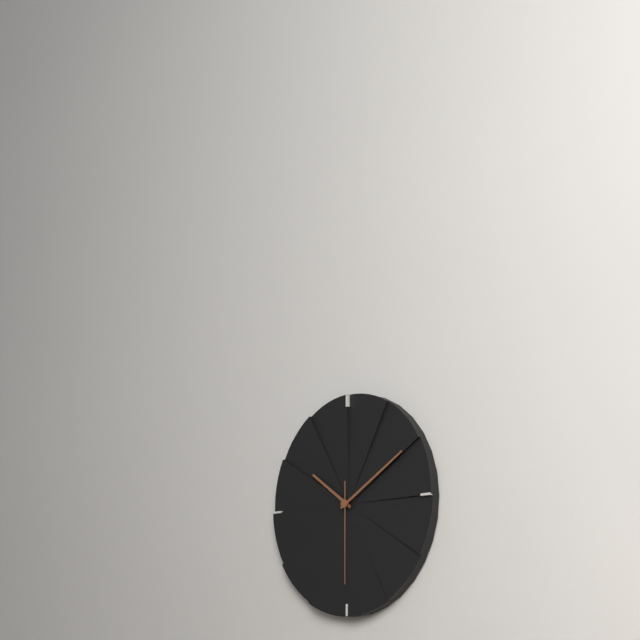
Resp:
10h10m30s
